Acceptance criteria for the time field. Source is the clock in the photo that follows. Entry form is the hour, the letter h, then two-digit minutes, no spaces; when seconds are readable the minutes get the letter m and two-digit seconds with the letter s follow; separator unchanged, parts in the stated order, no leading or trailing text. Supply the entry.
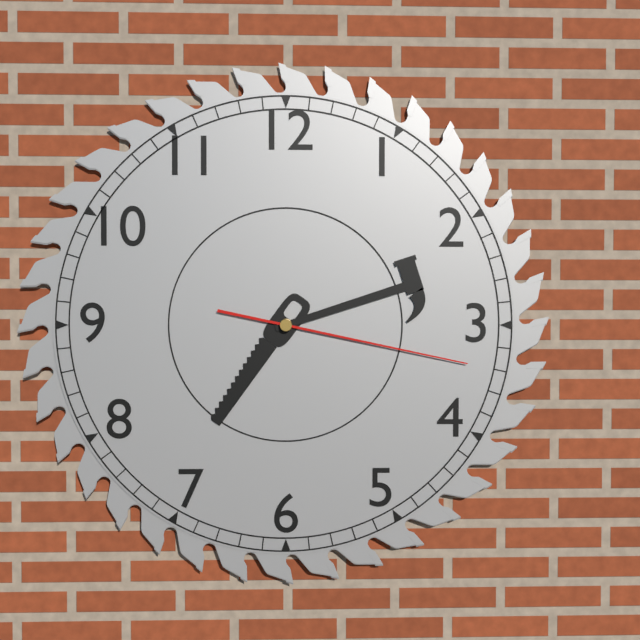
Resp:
7h12m17s
